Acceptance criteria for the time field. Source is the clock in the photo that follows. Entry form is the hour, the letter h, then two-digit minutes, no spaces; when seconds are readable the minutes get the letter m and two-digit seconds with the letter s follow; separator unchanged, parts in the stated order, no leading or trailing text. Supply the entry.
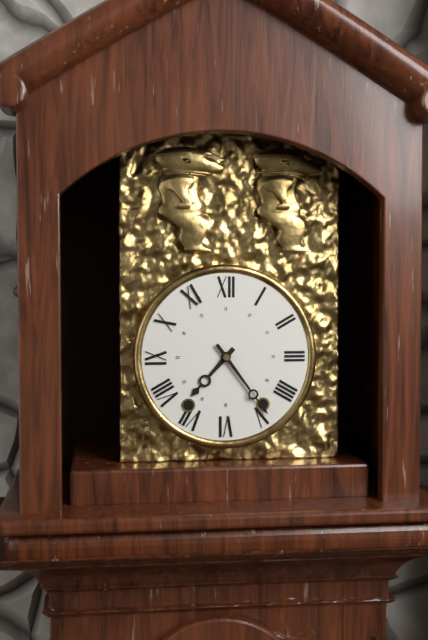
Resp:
7h24
